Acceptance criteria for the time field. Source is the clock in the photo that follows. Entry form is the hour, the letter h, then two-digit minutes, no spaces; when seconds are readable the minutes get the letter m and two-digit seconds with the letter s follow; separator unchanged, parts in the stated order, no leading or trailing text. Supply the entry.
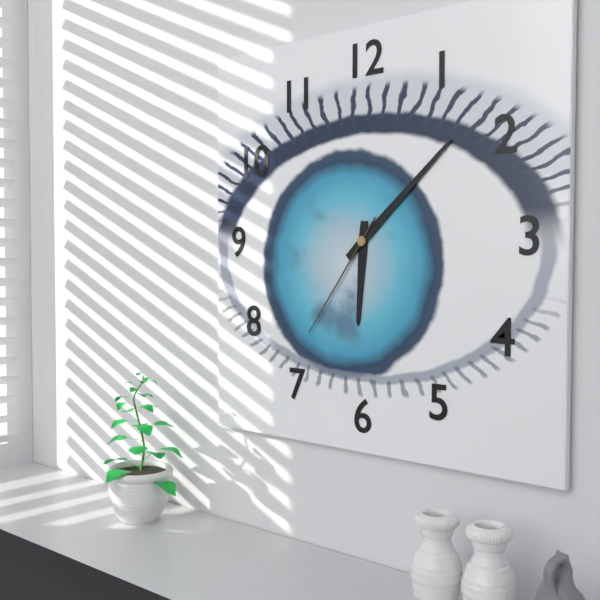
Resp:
6h08m36s
